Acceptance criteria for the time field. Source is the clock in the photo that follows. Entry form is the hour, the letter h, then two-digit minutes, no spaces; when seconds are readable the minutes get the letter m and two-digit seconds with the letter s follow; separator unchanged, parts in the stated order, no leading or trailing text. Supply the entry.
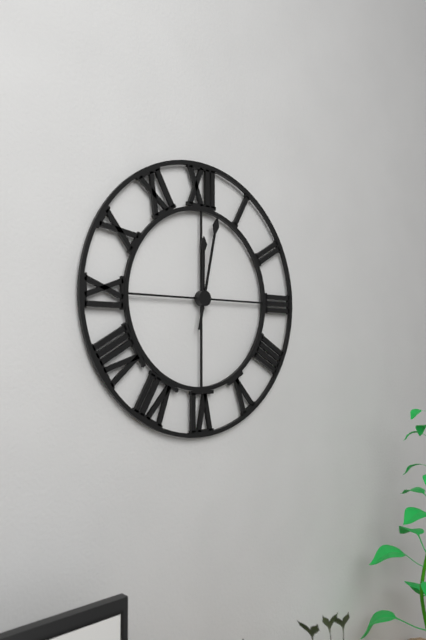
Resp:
12h02
